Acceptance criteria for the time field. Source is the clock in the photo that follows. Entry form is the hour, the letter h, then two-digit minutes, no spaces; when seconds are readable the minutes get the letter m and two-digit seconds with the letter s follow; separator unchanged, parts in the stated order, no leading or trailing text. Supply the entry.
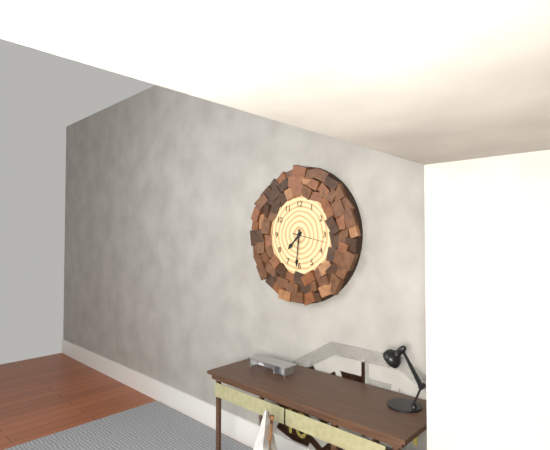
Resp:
7h31
